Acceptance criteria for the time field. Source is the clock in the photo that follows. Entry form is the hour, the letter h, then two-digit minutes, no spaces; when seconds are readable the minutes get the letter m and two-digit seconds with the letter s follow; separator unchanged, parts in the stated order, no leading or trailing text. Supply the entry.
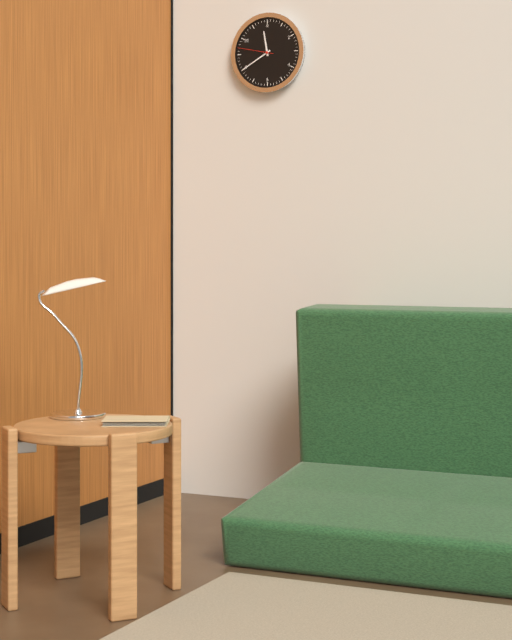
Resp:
11h40
